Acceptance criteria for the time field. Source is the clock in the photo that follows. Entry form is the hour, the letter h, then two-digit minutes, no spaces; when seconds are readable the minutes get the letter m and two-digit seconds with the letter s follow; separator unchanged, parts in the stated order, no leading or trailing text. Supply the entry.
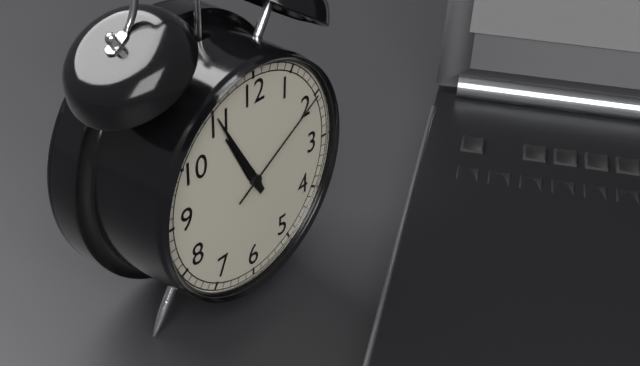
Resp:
10h55m10s
